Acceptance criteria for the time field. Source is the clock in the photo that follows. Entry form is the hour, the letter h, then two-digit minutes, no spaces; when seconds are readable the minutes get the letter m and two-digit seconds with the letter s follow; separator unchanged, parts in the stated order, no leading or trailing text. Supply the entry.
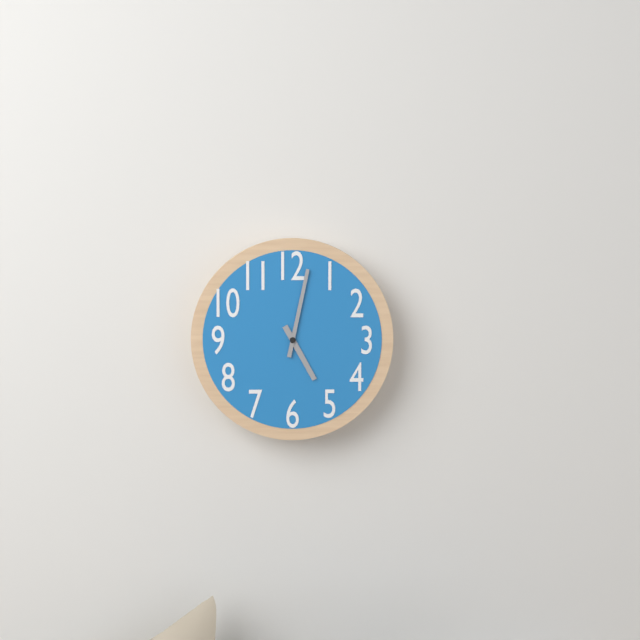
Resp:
5h02
